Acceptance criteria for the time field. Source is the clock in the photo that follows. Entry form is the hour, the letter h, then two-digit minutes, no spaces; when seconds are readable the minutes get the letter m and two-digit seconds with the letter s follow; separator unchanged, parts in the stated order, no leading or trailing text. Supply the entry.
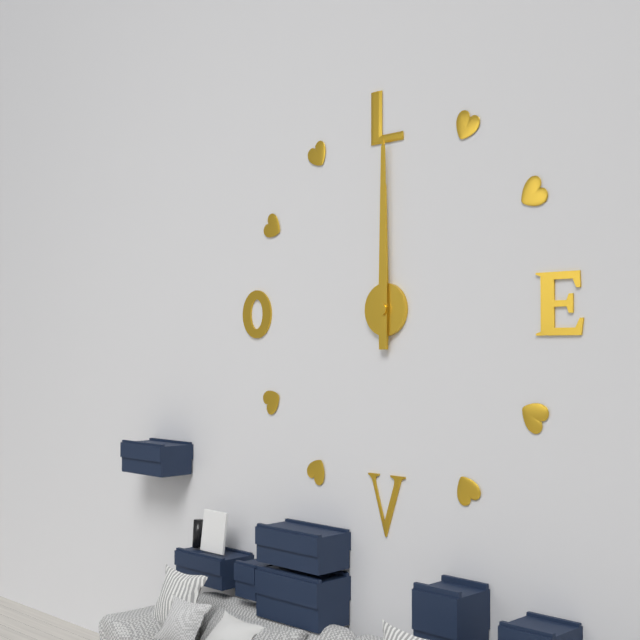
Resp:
12h00
